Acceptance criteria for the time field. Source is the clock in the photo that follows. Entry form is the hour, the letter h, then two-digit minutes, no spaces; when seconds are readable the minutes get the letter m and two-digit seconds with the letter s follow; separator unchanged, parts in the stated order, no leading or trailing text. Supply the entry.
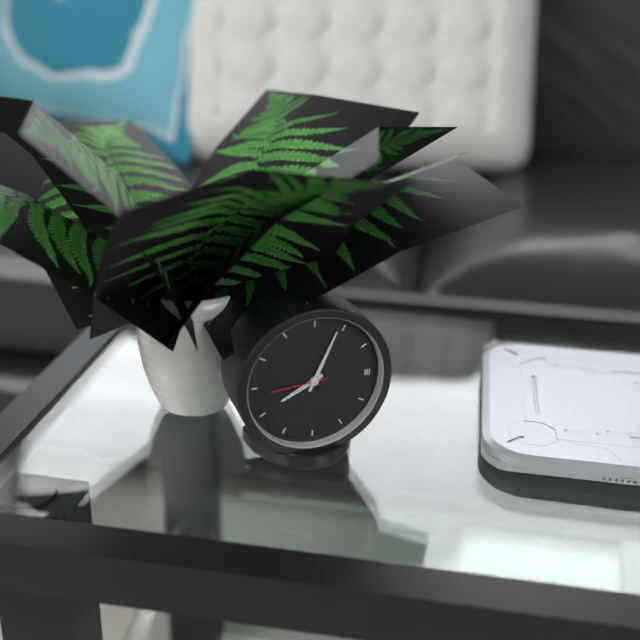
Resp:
8h04m44s
